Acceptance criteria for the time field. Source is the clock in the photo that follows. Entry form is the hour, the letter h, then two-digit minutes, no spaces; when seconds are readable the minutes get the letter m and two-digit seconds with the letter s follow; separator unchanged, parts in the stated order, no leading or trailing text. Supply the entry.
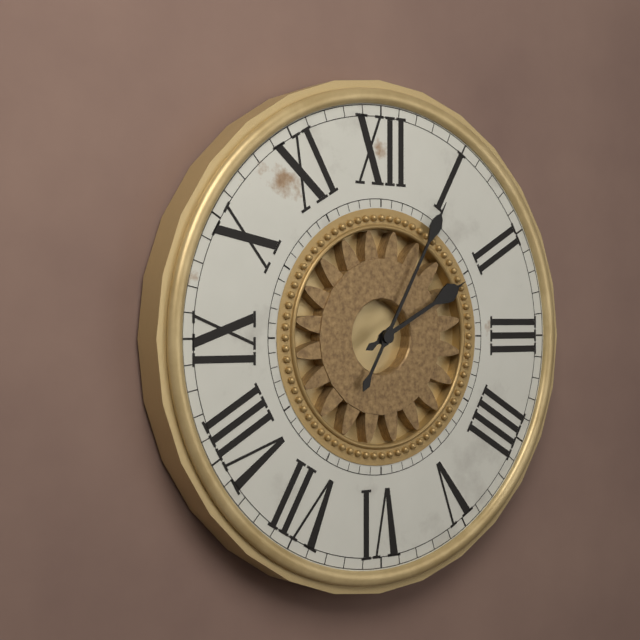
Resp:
2h05
